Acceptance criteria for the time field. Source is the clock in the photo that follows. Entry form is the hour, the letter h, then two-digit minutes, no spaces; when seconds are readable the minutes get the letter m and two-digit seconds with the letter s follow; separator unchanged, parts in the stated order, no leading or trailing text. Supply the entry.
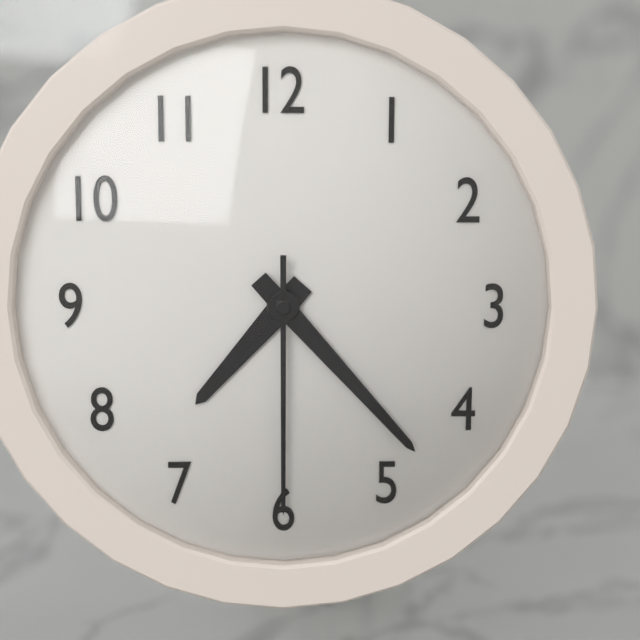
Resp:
7h23m30s
